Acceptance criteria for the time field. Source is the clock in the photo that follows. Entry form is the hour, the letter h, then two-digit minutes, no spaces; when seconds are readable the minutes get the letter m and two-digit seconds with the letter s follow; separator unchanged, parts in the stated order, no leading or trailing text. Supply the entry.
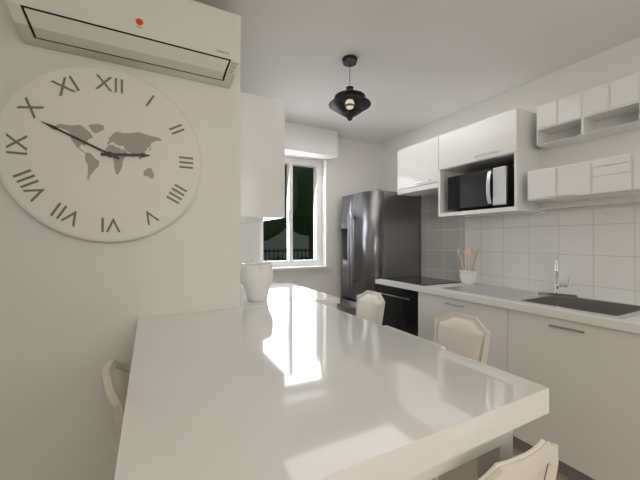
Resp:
2h49
